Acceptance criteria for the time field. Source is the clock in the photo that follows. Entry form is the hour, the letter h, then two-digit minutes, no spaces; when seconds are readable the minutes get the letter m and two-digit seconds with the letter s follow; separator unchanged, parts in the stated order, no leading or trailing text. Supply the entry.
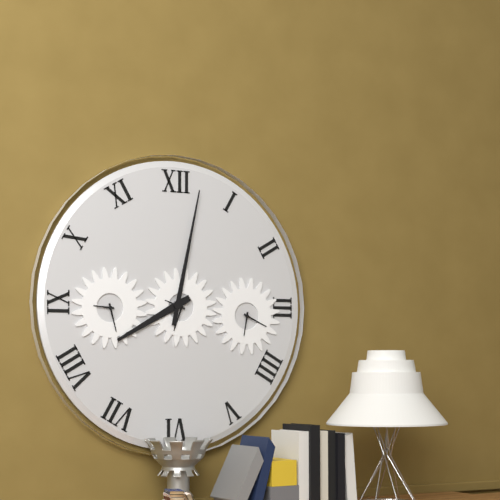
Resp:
8h02
